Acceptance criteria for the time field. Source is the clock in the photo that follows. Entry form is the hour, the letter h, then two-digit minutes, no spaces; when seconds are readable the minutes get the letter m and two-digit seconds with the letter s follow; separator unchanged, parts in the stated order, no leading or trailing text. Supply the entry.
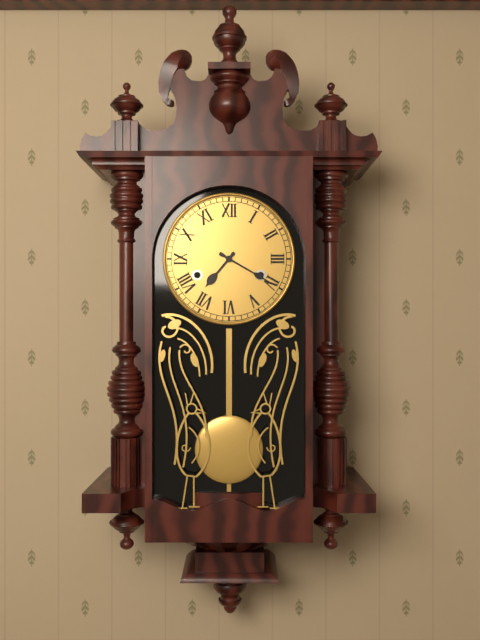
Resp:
7h20
